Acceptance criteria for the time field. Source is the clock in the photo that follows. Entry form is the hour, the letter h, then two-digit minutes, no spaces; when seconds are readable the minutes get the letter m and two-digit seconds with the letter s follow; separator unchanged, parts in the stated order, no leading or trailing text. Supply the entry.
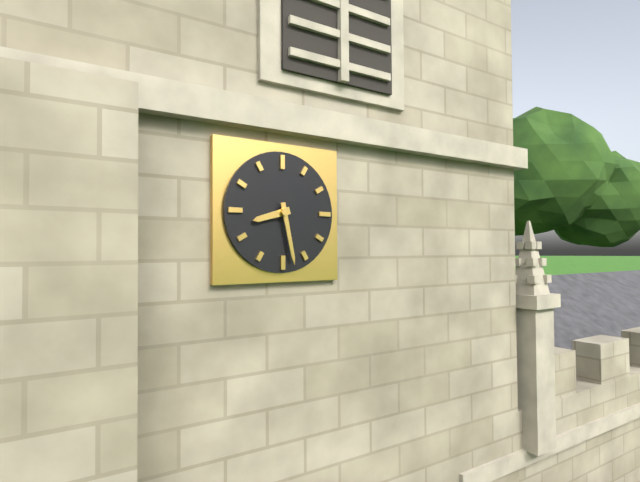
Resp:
8h28
